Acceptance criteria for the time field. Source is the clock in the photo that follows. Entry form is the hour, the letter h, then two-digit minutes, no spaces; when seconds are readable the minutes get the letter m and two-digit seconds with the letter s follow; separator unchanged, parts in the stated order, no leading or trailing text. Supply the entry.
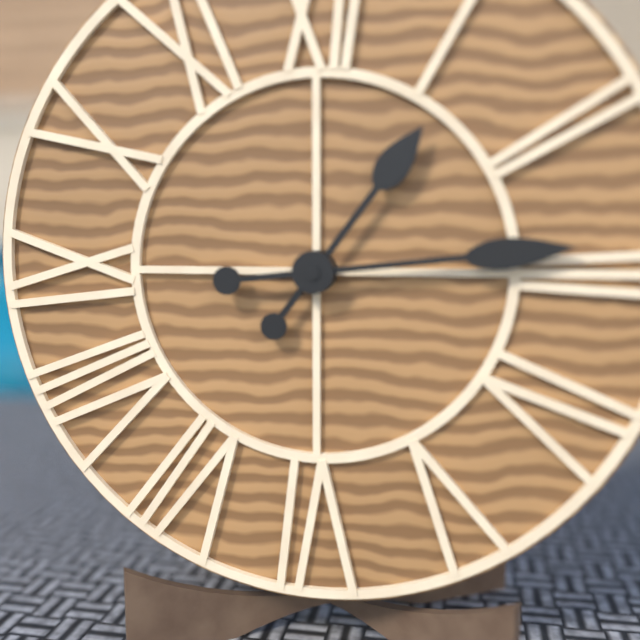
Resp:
1h14
